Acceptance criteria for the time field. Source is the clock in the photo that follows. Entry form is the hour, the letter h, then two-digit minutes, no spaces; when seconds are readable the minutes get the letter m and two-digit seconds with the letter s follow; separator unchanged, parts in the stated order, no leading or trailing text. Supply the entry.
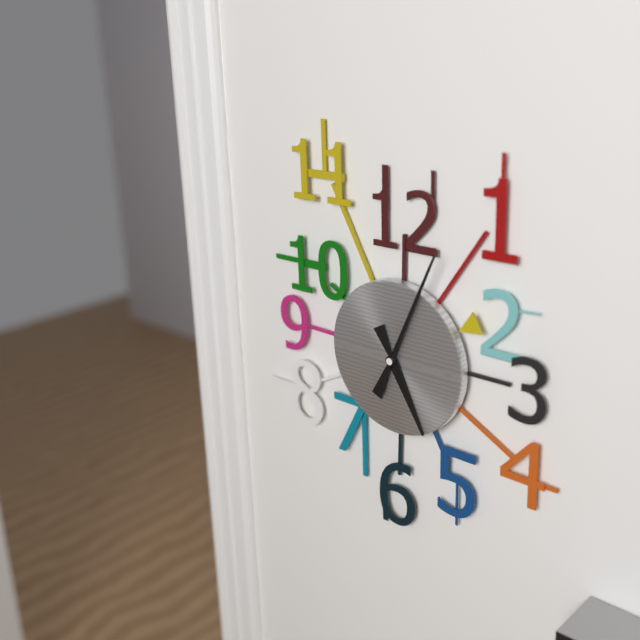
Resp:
5h04
